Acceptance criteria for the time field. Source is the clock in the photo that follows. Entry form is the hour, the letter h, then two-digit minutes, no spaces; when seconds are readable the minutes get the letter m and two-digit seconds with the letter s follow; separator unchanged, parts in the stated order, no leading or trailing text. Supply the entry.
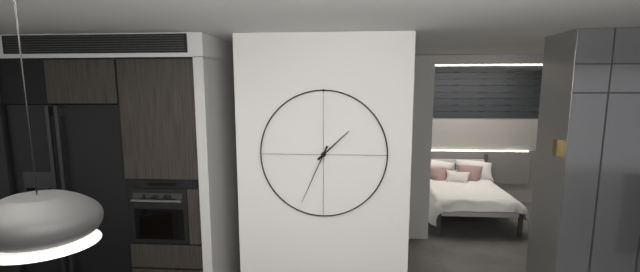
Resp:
1h34
